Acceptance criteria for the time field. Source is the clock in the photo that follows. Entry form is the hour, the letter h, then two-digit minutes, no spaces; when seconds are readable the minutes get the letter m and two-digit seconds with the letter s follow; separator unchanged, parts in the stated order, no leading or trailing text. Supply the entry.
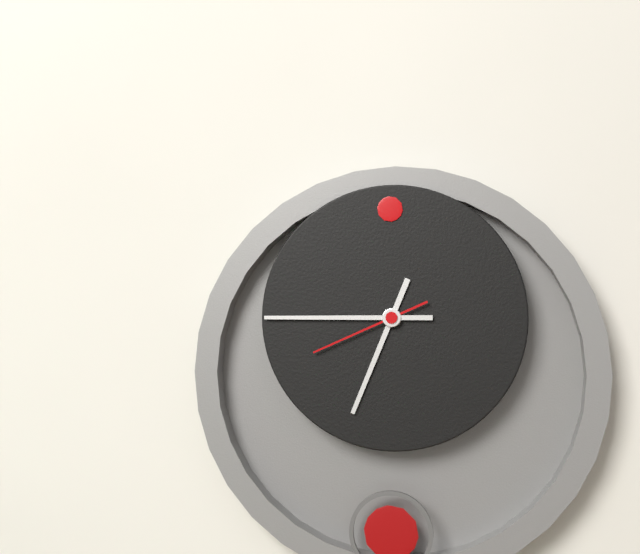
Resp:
6h45m41s
